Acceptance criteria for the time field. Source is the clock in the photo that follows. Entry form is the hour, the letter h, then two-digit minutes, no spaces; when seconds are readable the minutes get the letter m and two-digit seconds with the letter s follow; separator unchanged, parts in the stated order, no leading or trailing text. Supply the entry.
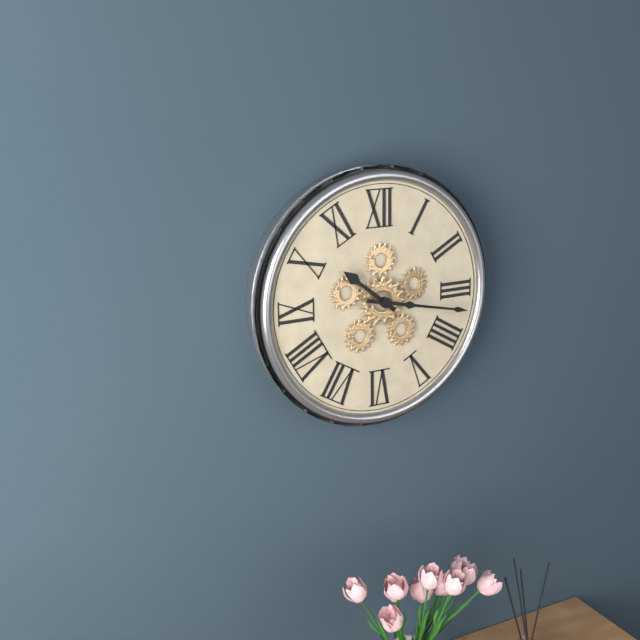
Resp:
10h17
